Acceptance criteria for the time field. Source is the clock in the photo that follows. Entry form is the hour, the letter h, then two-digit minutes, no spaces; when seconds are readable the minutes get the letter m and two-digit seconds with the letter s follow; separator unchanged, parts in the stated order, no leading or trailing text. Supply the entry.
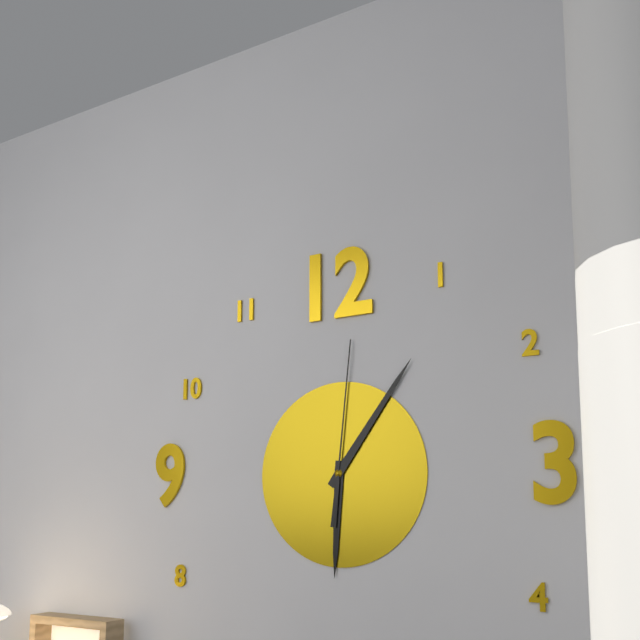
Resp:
6h06m01s
